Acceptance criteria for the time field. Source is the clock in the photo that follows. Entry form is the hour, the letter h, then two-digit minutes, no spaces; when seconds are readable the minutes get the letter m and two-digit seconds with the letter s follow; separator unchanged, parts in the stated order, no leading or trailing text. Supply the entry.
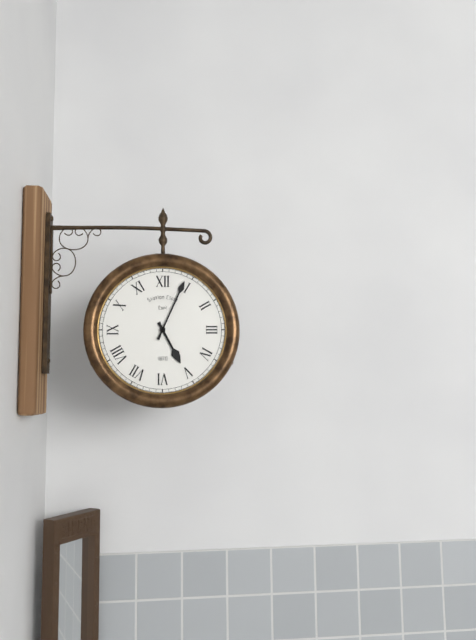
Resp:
5h04
